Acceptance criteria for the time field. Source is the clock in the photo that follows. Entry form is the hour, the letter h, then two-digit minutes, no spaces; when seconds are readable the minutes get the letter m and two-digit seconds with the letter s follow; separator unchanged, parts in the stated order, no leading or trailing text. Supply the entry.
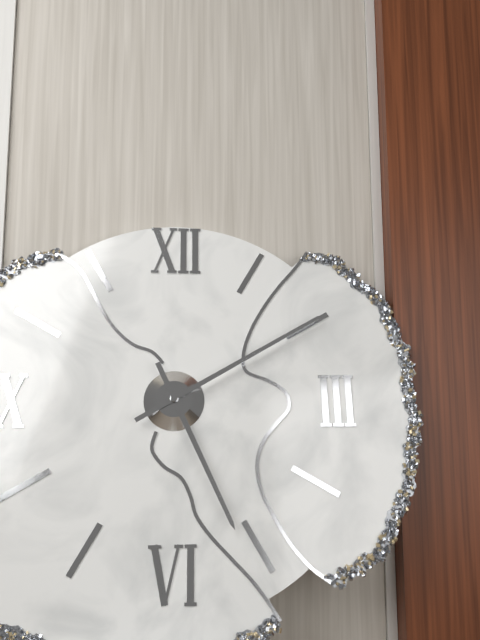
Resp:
5h10
